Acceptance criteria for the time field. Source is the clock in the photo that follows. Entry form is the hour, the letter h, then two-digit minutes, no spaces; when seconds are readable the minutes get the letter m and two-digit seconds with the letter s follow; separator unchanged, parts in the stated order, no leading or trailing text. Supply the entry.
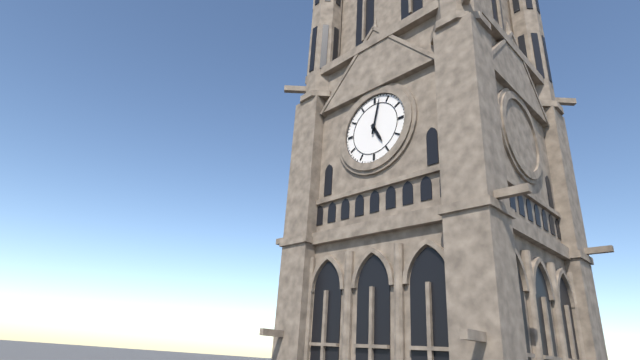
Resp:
5h02
